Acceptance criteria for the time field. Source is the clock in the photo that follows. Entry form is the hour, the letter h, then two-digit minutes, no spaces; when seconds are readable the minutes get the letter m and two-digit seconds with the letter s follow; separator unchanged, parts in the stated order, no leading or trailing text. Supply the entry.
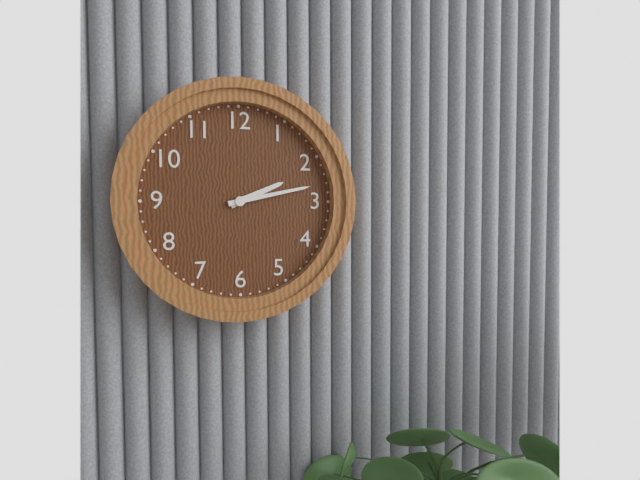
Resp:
2h13
